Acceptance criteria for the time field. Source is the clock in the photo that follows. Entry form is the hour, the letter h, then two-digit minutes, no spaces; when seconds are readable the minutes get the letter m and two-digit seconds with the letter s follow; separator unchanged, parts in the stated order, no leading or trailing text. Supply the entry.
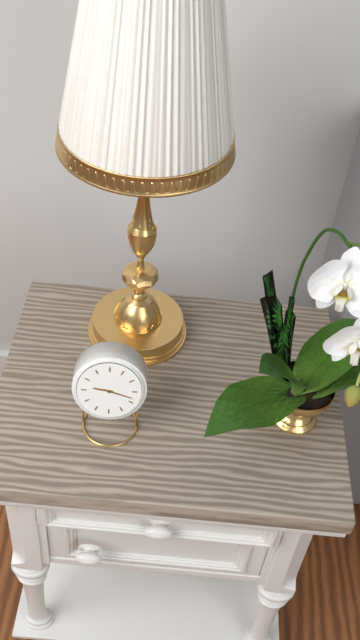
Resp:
9h18
